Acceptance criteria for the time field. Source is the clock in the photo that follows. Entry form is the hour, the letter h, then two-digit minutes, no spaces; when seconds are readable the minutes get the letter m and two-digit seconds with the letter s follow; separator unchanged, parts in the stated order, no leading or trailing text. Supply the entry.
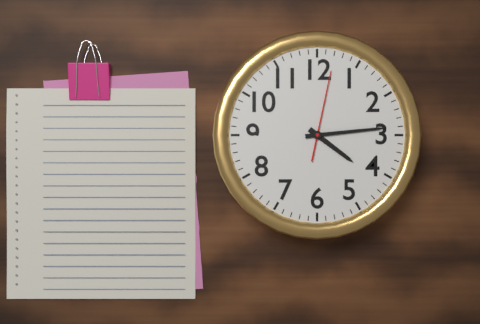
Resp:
4h14m02s
